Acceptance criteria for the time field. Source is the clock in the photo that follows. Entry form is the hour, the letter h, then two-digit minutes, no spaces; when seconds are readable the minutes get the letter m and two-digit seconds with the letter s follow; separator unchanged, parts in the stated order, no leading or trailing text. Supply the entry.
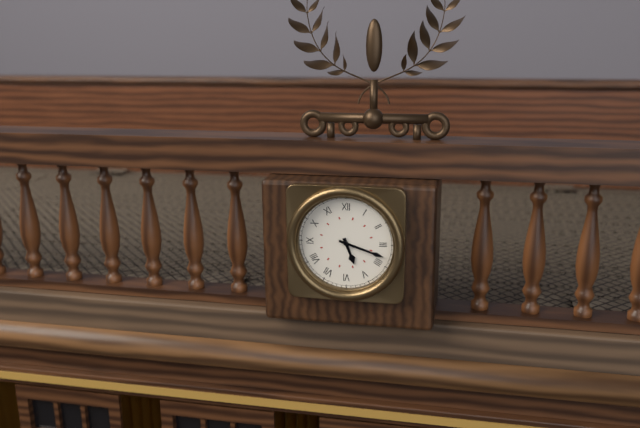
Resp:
5h18
